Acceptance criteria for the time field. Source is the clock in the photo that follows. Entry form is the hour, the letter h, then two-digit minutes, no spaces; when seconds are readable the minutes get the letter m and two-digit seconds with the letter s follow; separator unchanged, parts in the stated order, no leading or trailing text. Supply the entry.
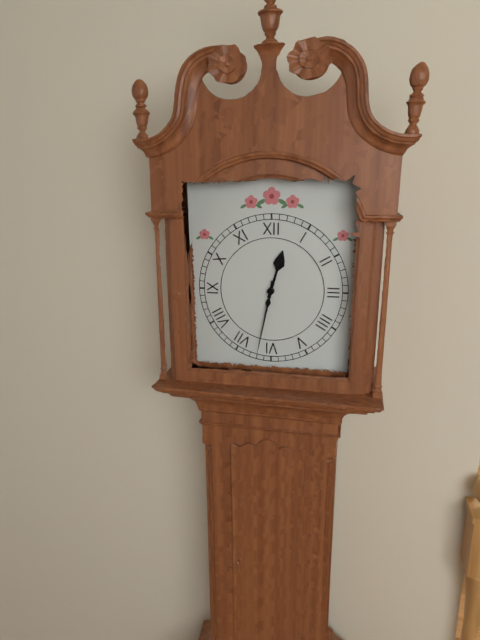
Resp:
12h32
